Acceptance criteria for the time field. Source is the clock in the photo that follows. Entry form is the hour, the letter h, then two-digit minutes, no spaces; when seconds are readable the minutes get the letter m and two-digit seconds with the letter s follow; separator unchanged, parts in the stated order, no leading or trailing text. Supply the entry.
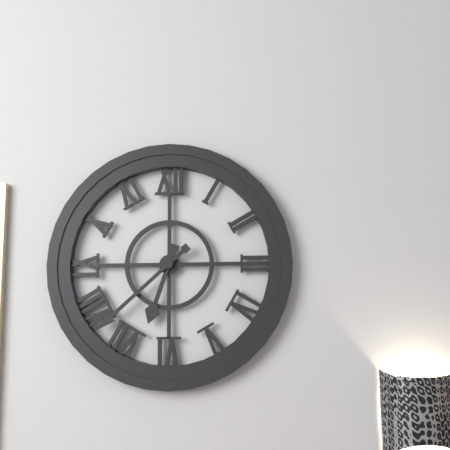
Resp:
6h38
